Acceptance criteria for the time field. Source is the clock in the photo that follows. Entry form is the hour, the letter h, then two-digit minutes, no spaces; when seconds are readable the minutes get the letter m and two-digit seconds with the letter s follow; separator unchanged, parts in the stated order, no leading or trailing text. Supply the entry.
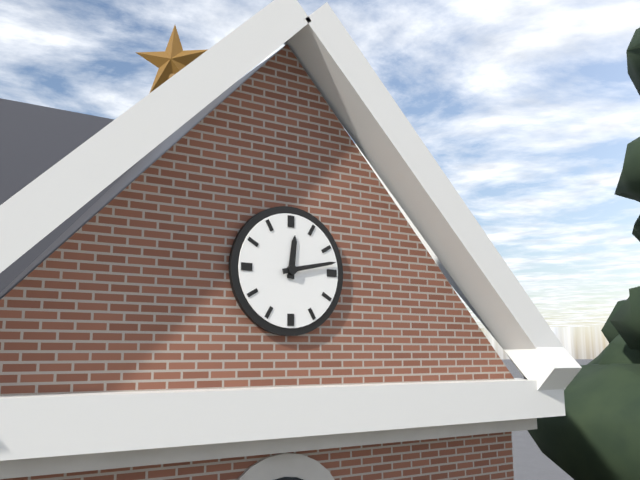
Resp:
12h13
